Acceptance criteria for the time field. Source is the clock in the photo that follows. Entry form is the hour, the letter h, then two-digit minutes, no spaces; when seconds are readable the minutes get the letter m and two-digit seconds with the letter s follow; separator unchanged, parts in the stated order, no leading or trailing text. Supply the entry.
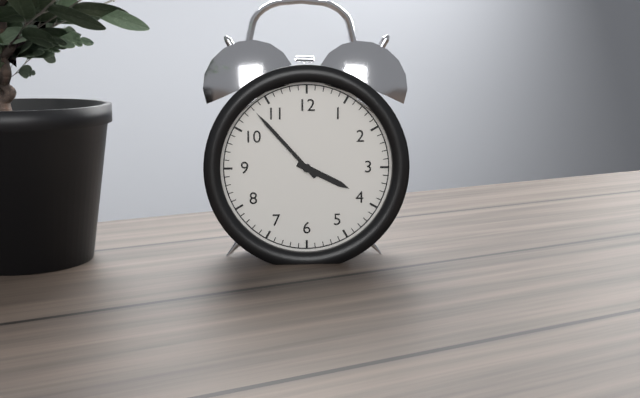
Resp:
3h53
